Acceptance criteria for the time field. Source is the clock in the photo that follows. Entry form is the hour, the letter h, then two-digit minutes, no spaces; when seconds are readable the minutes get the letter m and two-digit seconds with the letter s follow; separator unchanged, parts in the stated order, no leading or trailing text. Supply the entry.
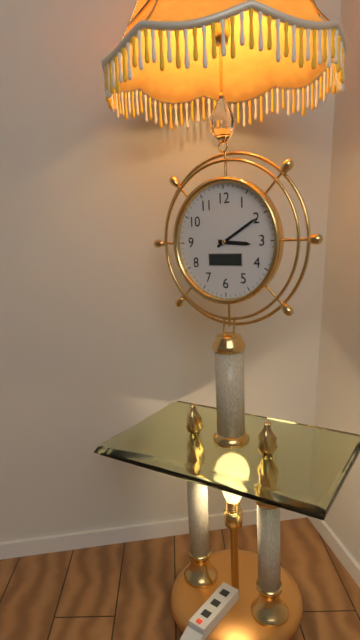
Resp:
3h10
